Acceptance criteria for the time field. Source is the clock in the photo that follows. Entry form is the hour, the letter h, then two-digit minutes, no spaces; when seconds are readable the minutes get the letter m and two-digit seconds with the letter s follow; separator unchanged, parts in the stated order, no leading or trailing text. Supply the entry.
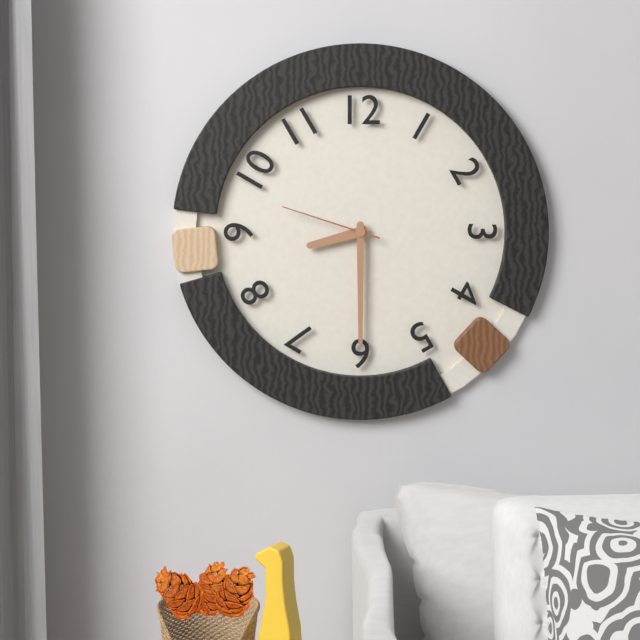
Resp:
8h30m48s
